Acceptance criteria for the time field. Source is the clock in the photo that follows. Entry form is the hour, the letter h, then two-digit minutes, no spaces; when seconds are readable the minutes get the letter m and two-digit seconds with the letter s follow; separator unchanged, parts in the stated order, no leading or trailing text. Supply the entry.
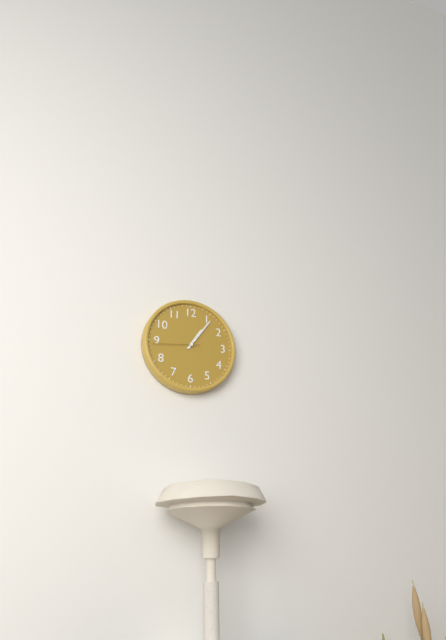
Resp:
1h06
